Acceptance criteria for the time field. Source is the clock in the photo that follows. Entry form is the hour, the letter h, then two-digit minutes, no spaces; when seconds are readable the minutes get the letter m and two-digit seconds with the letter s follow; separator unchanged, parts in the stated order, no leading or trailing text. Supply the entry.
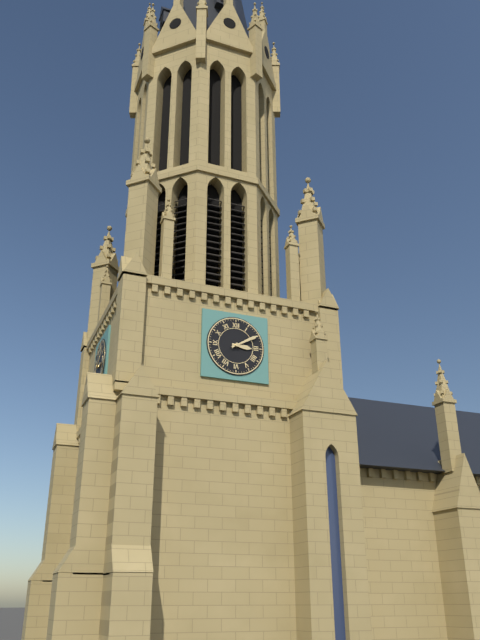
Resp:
3h10
